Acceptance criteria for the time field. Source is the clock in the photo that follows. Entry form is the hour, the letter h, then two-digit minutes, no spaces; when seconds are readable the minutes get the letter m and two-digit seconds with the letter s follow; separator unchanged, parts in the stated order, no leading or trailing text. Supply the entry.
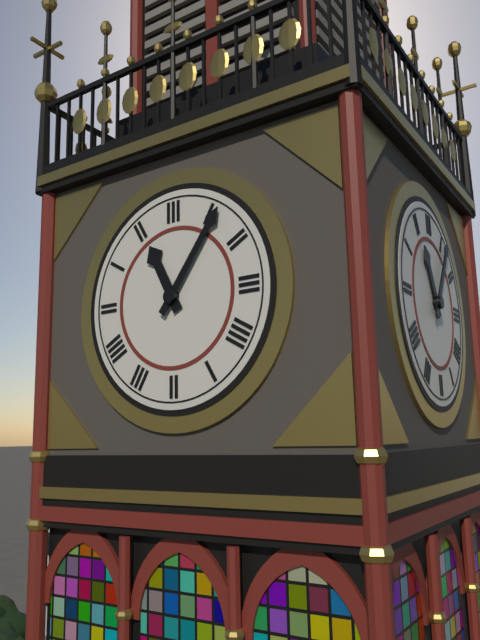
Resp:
11h06
